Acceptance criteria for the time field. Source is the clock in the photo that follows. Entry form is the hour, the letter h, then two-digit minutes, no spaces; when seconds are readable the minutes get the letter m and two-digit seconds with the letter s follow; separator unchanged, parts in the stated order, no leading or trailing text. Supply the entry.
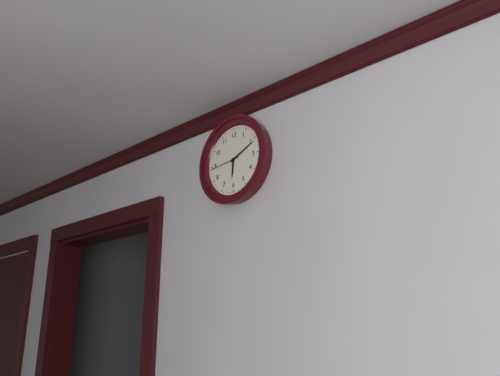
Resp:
6h11
